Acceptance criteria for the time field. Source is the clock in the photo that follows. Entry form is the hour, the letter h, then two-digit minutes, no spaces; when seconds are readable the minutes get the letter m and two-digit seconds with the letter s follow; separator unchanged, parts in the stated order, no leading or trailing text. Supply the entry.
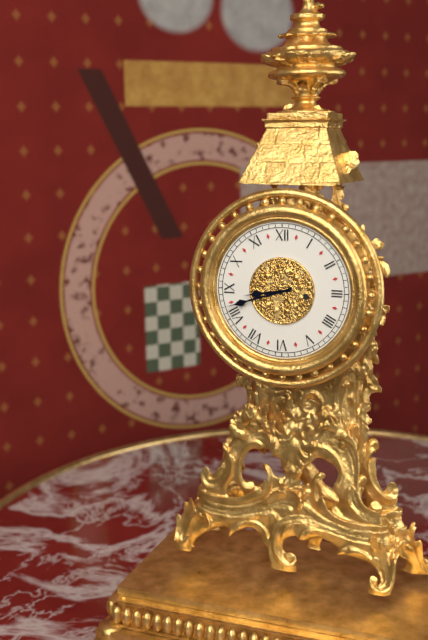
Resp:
8h42
